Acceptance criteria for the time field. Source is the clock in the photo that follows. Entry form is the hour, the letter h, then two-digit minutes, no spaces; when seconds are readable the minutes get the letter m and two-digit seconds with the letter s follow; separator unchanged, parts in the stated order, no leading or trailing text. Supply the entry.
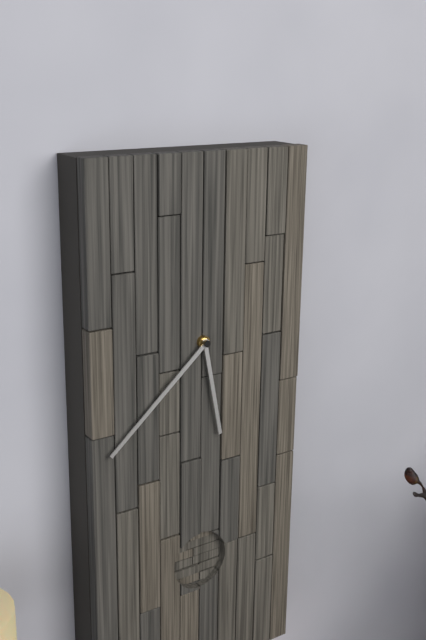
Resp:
5h38
